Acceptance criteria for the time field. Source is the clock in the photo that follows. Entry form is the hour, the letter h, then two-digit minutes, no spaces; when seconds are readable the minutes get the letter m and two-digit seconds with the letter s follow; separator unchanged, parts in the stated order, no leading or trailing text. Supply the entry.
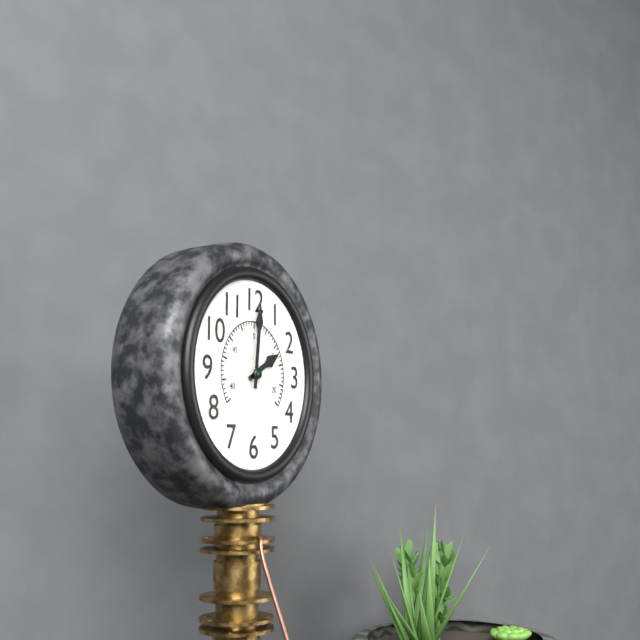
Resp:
2h01
